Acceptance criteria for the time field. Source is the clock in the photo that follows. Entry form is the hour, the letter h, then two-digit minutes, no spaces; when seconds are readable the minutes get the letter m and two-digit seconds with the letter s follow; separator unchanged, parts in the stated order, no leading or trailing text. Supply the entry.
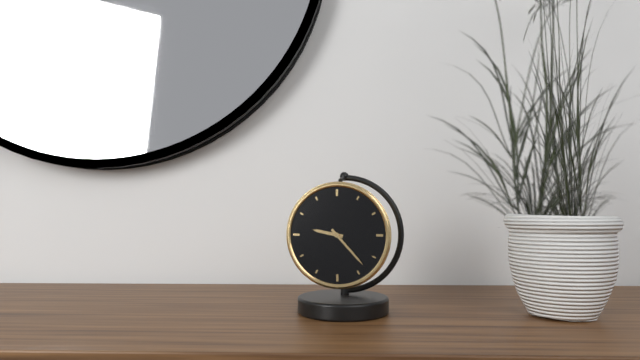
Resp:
9h23
